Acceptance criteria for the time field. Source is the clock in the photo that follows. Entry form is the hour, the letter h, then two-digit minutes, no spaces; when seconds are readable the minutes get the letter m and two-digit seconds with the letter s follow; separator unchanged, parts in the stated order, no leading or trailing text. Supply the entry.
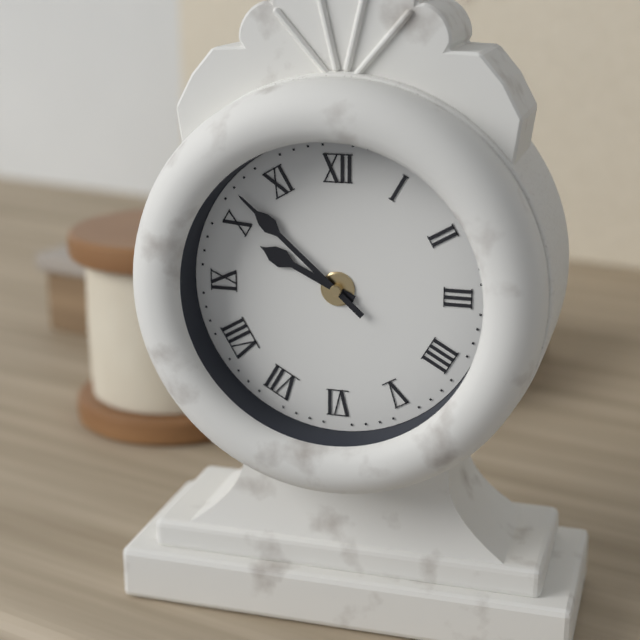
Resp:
9h52
